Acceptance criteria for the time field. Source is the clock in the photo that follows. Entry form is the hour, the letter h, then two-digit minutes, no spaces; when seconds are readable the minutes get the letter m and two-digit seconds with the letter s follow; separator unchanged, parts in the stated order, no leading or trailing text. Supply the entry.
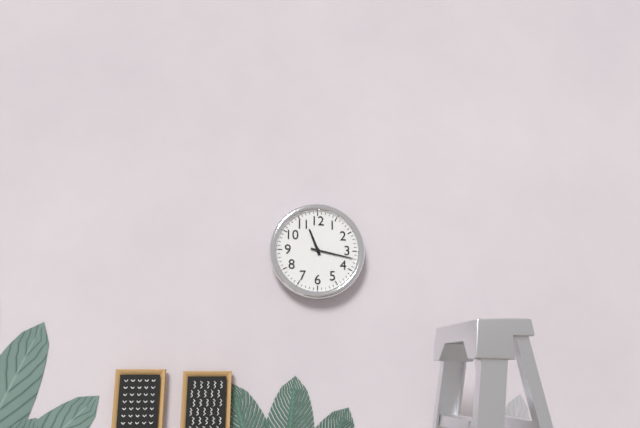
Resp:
11h17
